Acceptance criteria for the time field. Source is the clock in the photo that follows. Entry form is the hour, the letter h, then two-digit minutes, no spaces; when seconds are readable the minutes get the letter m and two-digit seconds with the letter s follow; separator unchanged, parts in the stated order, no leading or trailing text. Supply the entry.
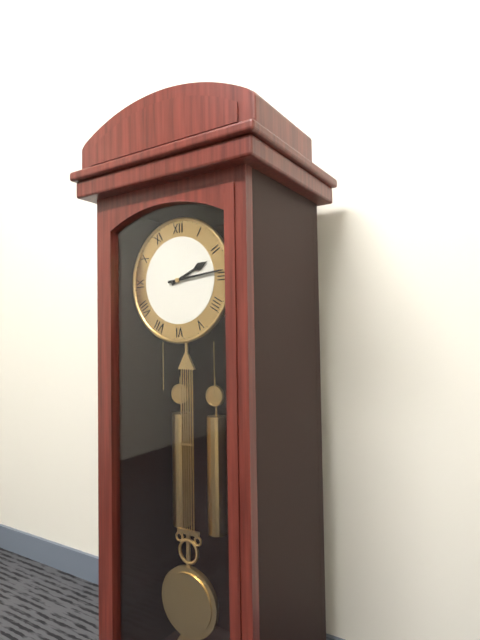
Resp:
2h14
